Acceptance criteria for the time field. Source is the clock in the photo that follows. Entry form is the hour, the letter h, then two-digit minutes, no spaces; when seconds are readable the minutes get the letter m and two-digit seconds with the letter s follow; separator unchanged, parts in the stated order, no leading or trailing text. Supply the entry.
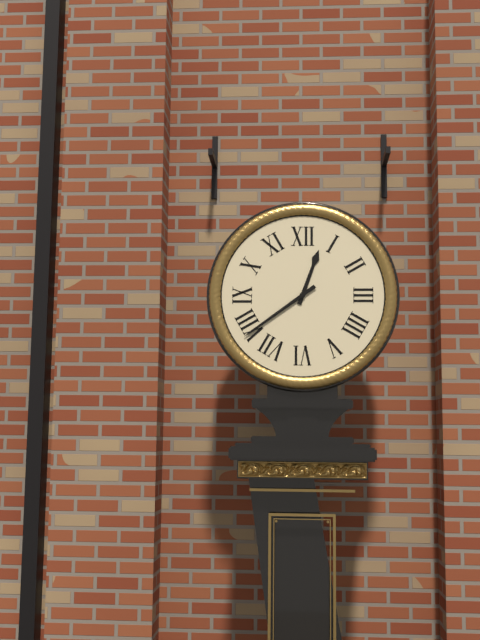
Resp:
12h39
